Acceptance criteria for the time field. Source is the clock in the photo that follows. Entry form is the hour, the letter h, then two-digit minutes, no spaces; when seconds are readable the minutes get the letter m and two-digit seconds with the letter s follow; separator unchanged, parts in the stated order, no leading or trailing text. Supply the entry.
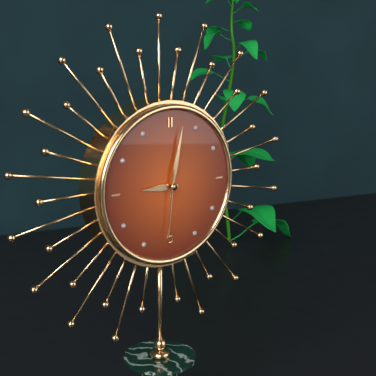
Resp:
9h02m31s
